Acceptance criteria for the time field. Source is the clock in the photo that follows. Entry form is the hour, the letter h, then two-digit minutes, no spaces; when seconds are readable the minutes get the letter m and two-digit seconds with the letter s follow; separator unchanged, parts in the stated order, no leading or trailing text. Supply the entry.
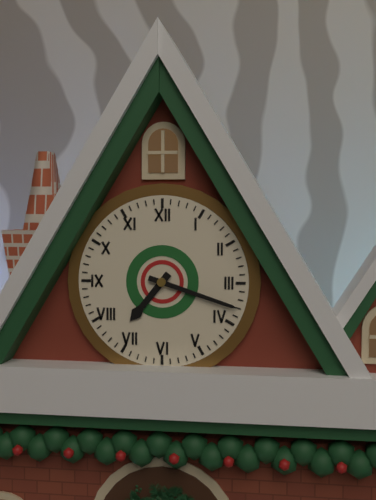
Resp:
7h18
